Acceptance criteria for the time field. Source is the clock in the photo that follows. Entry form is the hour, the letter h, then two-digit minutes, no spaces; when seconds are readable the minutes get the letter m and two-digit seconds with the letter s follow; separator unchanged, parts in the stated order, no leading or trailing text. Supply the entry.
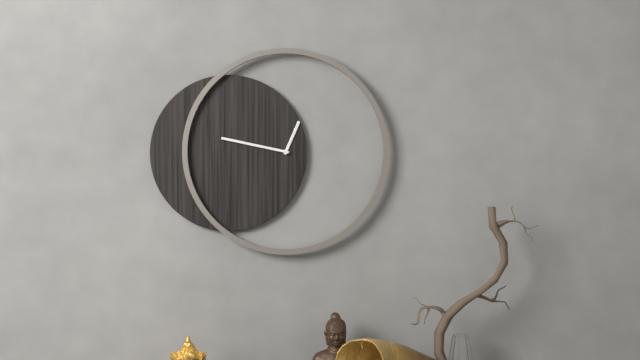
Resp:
12h47
